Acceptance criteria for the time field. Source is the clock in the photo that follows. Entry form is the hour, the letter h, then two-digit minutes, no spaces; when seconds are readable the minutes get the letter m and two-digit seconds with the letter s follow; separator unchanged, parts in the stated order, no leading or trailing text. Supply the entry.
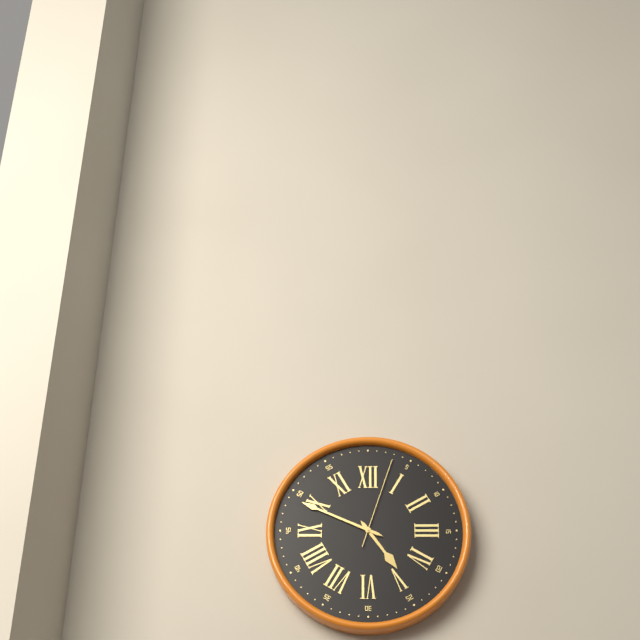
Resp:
4h49m03s
